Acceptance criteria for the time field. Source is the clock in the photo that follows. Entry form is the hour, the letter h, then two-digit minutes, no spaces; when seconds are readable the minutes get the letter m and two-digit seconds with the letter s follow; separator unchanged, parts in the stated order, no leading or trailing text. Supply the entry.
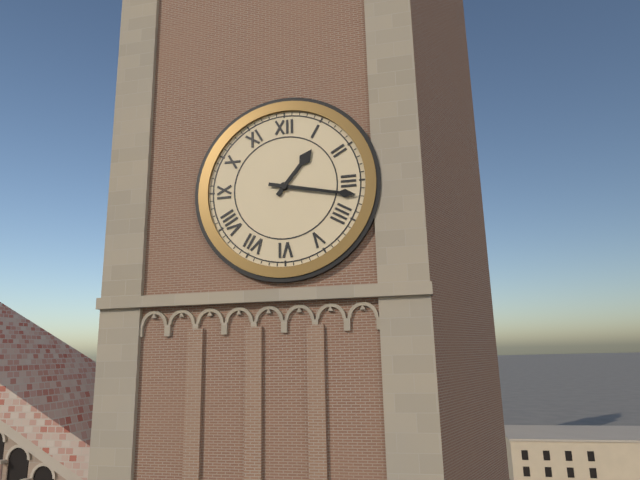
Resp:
1h17
